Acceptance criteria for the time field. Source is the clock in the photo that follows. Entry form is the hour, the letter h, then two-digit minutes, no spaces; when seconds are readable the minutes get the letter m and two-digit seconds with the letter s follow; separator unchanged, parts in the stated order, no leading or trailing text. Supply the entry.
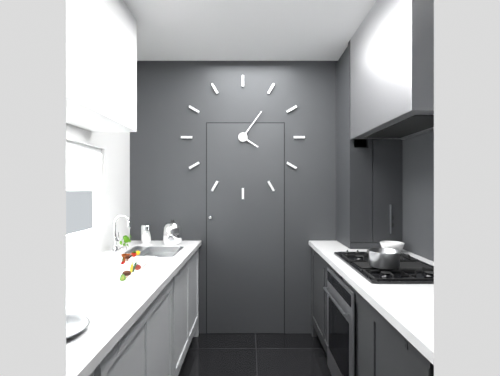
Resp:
4h06
